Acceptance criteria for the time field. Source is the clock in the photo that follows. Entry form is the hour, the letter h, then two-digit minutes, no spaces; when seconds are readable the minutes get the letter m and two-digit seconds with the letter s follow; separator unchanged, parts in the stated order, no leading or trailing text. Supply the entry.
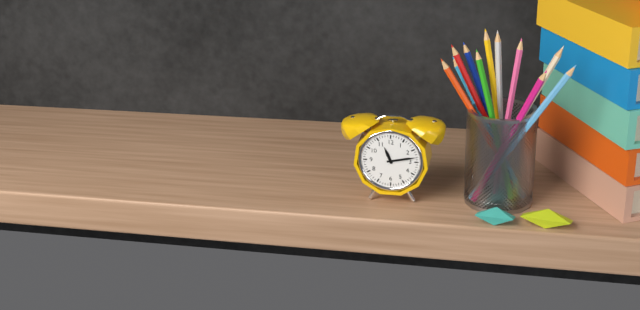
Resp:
11h13
